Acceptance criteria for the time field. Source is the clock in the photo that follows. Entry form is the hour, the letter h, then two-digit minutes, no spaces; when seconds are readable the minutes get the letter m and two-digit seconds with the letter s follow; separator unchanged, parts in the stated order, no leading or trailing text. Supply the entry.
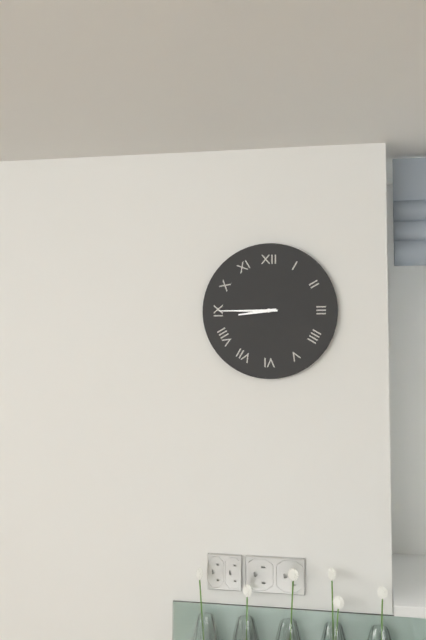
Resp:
8h45
